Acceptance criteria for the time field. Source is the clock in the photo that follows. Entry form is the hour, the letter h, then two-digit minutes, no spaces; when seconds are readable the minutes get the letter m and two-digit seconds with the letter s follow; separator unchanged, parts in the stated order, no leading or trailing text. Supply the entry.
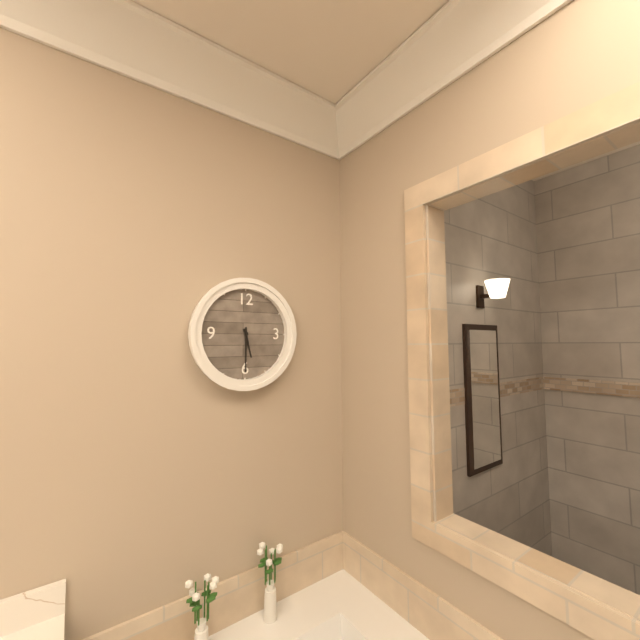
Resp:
5h30
